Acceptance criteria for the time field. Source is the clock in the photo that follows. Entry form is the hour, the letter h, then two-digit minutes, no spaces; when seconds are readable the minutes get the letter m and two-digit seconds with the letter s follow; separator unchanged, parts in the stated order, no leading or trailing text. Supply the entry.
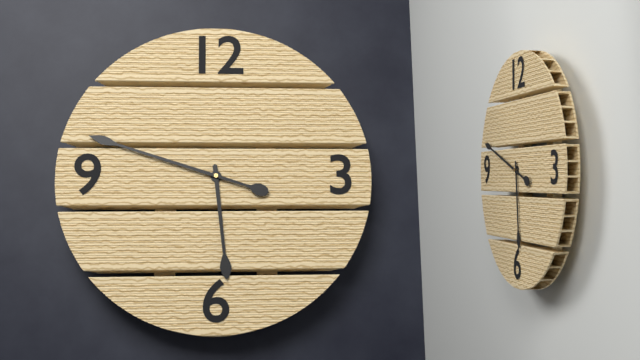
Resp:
5h48
